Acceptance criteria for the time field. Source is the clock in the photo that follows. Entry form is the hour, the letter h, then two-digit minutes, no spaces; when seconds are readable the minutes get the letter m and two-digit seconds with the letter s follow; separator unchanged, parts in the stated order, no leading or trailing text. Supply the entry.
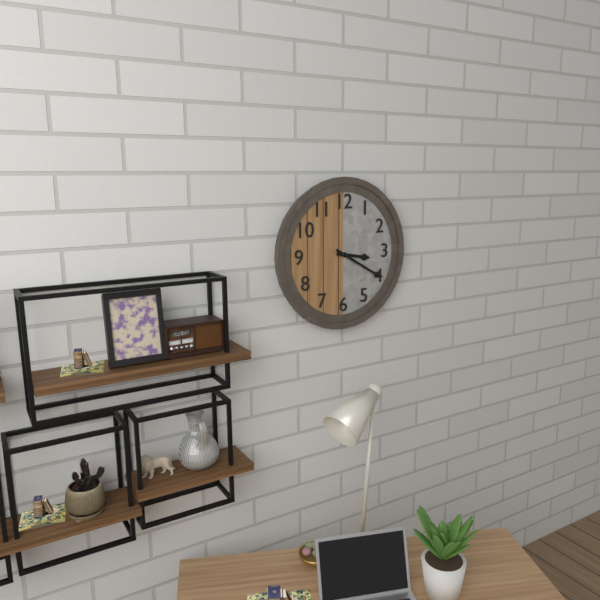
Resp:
3h20
